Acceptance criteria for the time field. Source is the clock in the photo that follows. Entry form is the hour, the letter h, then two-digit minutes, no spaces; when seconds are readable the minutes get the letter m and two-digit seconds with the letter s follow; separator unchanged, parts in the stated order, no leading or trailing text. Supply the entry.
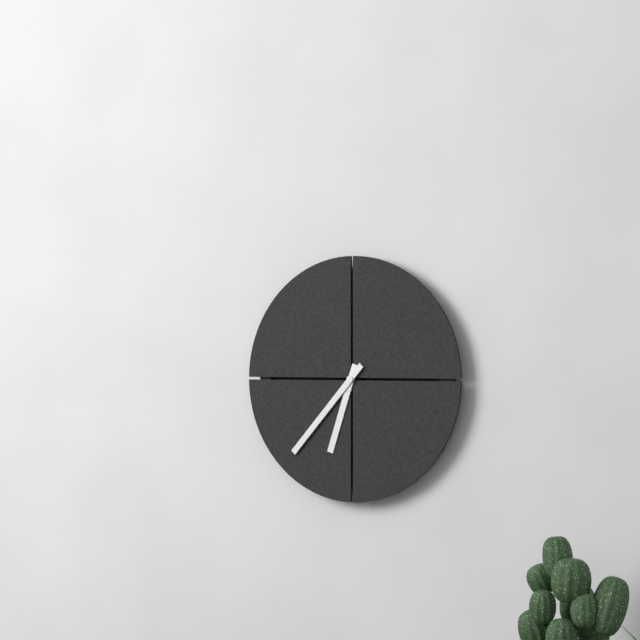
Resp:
6h37
